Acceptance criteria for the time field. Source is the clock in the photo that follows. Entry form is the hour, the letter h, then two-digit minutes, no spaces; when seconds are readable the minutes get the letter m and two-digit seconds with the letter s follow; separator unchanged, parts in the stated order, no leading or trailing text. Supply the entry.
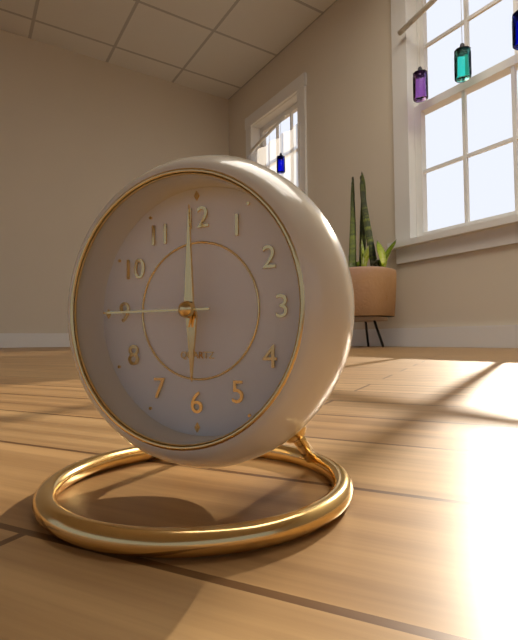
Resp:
6h00m45s
